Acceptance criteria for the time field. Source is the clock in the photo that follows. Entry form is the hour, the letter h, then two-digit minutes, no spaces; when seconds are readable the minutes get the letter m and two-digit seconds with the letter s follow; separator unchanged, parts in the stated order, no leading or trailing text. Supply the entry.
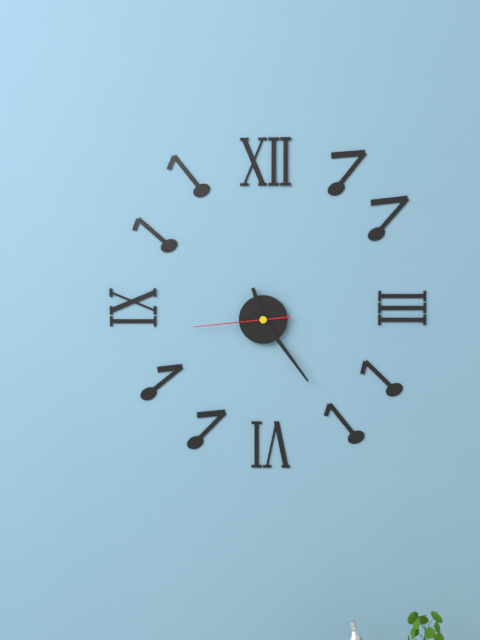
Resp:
11h24m44s
